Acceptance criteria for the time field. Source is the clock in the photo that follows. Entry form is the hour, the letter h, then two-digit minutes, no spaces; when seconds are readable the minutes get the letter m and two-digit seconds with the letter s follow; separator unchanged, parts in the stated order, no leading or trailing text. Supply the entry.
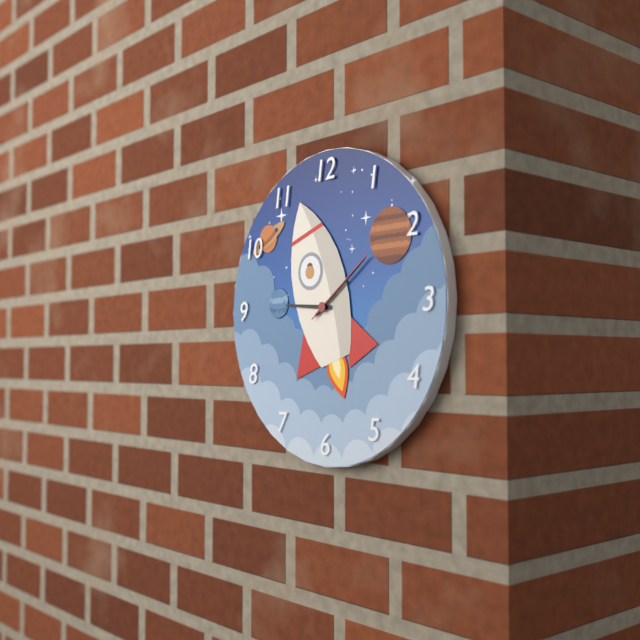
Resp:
9h09m09s
